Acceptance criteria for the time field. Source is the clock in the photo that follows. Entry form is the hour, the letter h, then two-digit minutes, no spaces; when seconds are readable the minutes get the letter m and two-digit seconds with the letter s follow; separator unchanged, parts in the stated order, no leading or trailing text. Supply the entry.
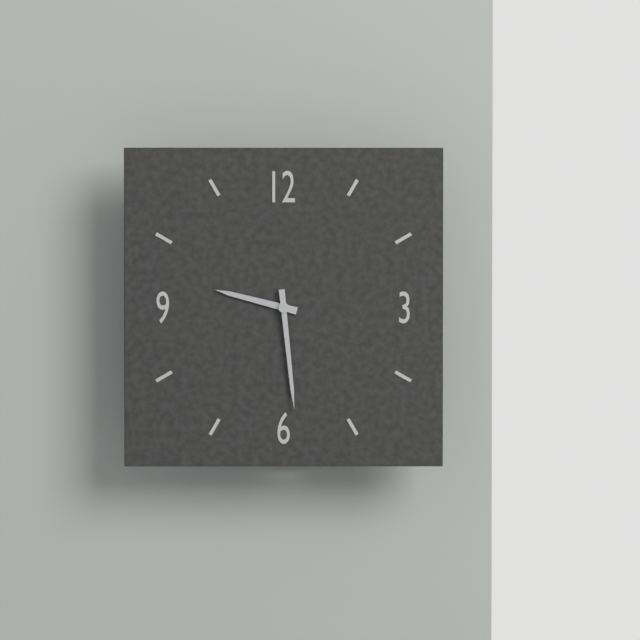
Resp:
9h29
